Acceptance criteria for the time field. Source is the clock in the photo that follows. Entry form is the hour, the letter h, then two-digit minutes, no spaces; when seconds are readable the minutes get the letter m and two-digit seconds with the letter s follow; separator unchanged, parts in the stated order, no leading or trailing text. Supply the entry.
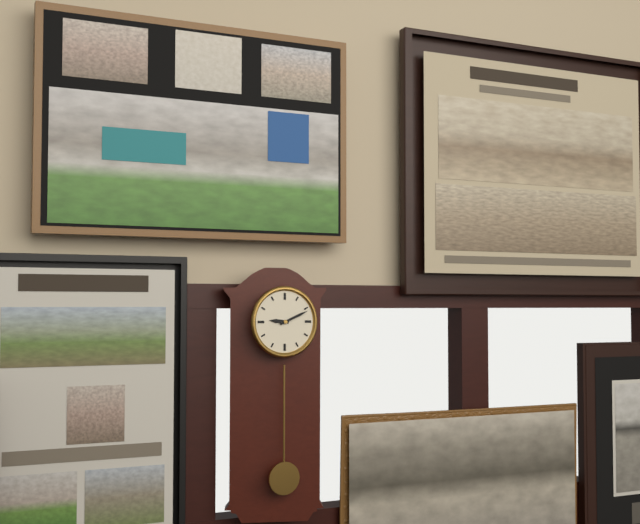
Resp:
9h11
